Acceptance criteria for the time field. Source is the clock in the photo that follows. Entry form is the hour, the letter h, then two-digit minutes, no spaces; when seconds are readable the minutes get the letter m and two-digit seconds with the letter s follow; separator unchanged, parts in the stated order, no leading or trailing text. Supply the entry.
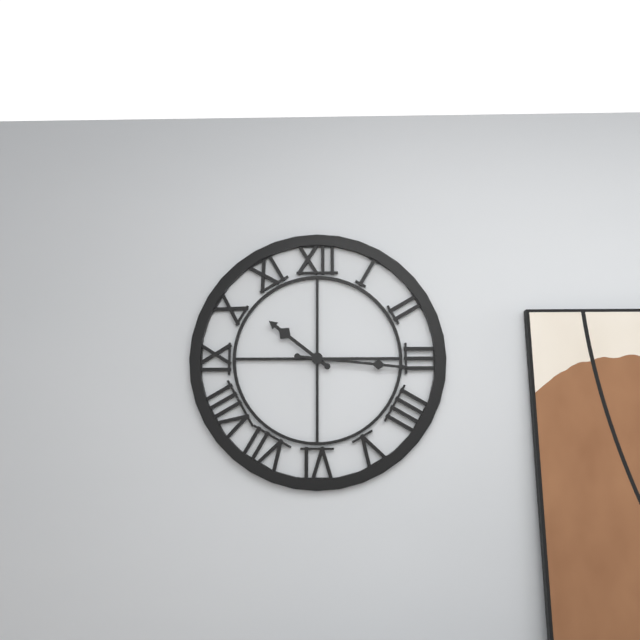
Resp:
10h16
